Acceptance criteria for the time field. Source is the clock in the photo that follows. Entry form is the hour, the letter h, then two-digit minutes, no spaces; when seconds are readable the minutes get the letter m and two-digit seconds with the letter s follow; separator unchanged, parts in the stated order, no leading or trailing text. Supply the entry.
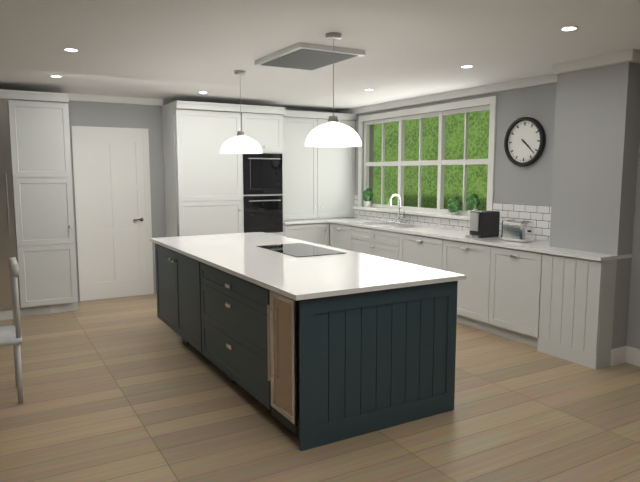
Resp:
4h22
